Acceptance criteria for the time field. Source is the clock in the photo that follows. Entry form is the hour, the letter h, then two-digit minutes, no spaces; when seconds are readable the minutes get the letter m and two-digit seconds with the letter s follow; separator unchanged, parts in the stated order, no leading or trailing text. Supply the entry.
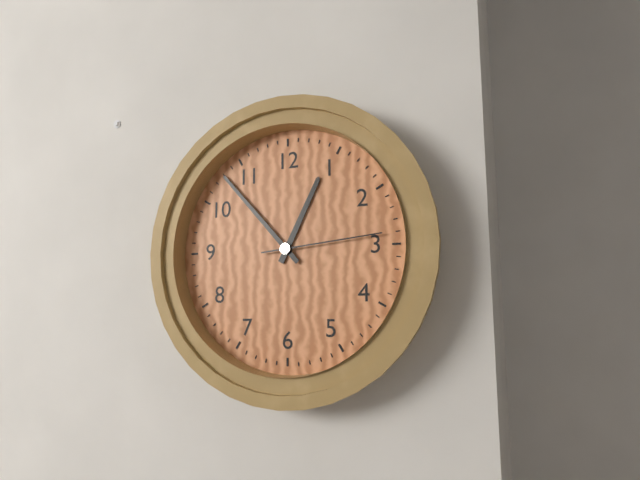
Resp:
12h53m14s
